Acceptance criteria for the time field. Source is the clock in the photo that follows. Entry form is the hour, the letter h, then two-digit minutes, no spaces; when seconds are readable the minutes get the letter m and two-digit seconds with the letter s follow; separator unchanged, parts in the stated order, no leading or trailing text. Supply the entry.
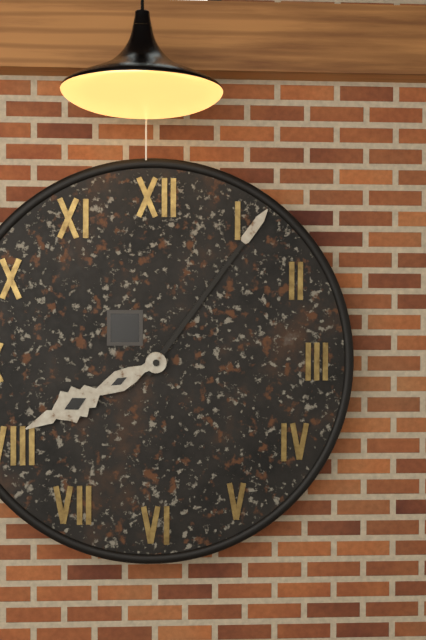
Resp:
8h06
